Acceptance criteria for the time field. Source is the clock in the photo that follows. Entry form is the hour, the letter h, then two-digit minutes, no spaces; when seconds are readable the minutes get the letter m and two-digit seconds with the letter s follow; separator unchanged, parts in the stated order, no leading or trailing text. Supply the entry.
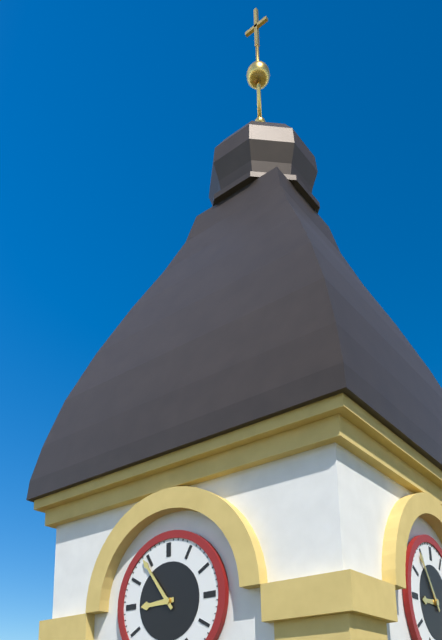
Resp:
8h54
